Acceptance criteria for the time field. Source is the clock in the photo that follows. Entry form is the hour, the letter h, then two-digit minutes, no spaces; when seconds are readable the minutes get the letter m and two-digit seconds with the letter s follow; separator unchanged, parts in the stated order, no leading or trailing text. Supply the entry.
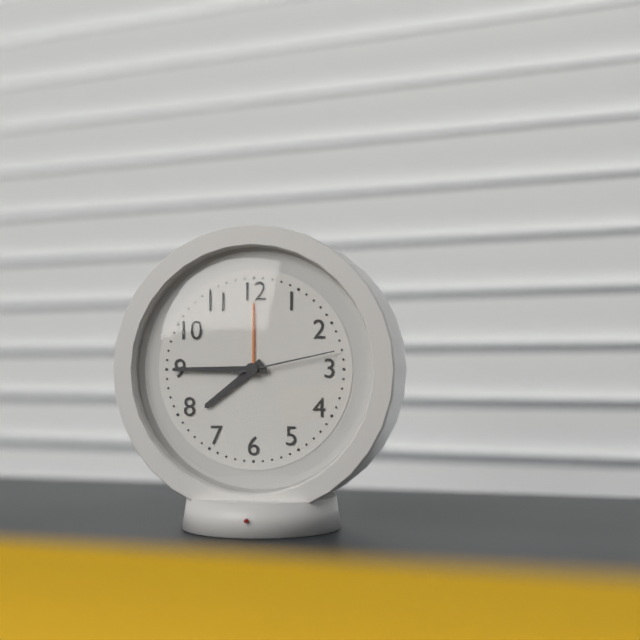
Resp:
7h45m13s
